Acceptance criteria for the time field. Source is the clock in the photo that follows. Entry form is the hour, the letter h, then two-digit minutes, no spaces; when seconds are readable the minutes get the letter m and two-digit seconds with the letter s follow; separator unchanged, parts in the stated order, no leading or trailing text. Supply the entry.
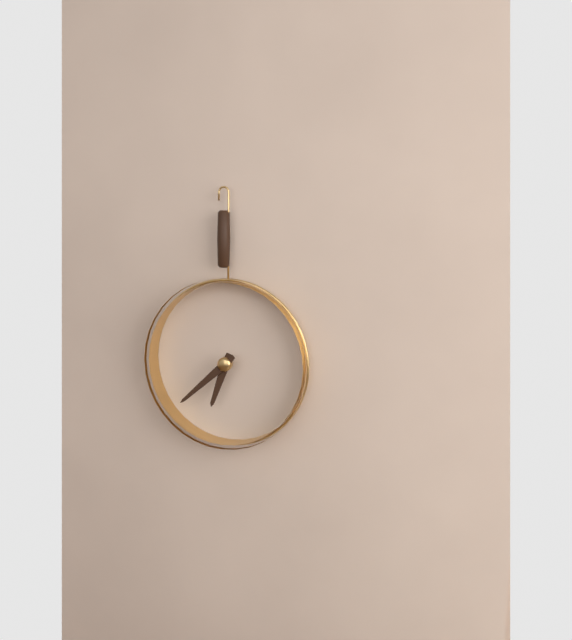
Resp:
6h38
